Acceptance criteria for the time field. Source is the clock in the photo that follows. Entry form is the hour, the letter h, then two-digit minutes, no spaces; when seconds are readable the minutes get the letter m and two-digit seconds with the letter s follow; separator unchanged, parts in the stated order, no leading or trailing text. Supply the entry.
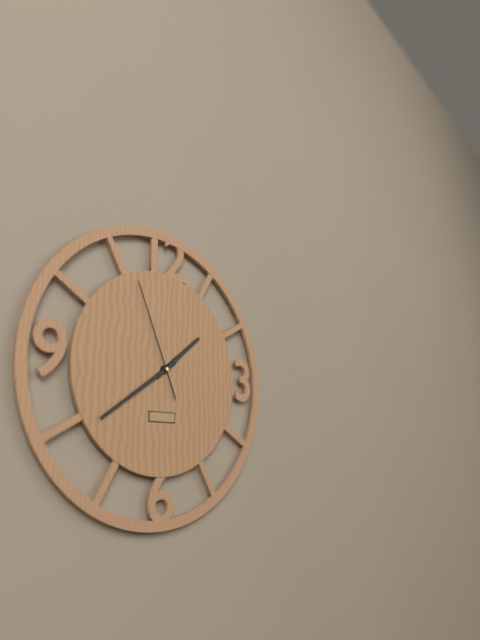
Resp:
1h39m56s
